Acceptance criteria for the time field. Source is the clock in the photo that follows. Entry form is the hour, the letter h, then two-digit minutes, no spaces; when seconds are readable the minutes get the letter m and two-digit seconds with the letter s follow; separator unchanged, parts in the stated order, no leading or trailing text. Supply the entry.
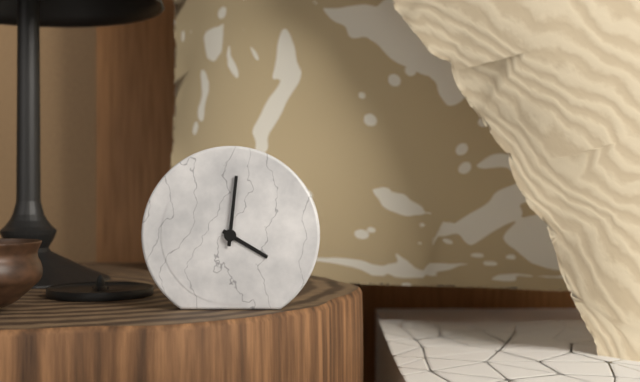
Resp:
4h01
